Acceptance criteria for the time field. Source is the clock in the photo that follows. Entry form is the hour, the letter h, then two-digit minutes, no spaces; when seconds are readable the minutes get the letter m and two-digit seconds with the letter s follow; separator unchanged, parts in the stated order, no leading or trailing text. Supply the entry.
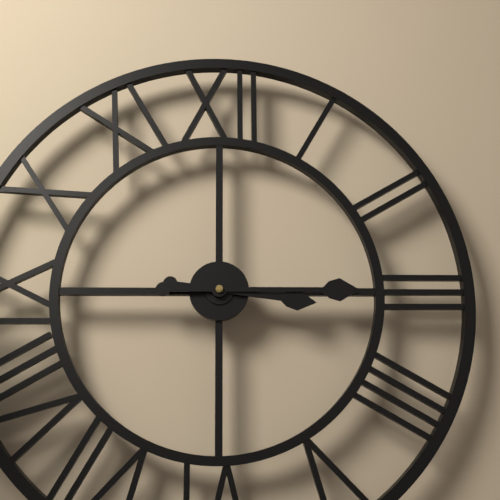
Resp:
3h15
